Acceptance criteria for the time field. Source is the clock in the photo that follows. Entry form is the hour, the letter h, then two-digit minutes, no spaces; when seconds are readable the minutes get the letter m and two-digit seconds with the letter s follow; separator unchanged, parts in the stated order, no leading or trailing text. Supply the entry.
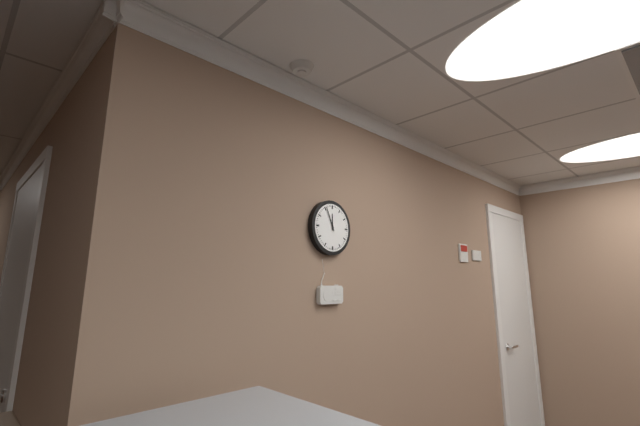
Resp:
11h56
